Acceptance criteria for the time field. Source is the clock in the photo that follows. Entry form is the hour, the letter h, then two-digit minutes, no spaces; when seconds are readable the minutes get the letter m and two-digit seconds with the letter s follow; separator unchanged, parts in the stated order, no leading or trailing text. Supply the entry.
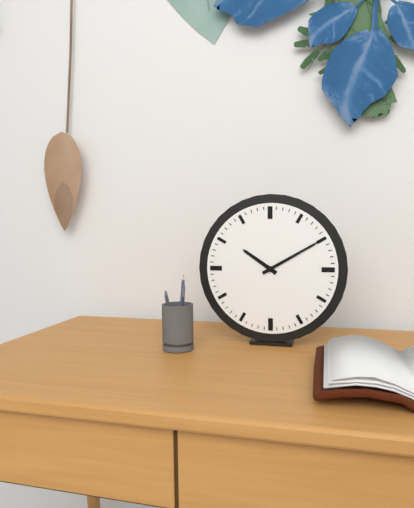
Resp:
10h10
